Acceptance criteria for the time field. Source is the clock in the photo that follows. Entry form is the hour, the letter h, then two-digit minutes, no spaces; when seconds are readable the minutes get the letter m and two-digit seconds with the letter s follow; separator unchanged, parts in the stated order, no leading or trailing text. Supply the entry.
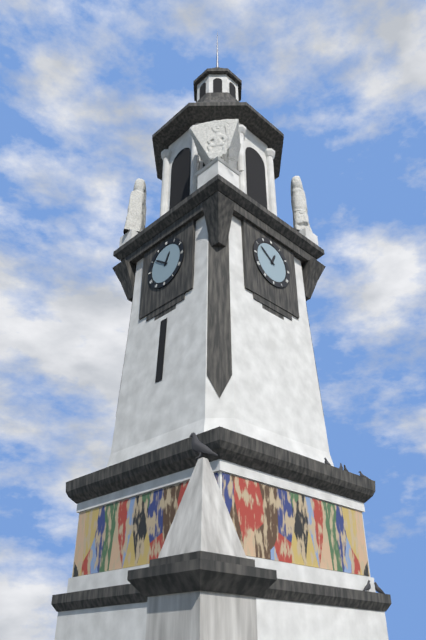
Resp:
12h51
